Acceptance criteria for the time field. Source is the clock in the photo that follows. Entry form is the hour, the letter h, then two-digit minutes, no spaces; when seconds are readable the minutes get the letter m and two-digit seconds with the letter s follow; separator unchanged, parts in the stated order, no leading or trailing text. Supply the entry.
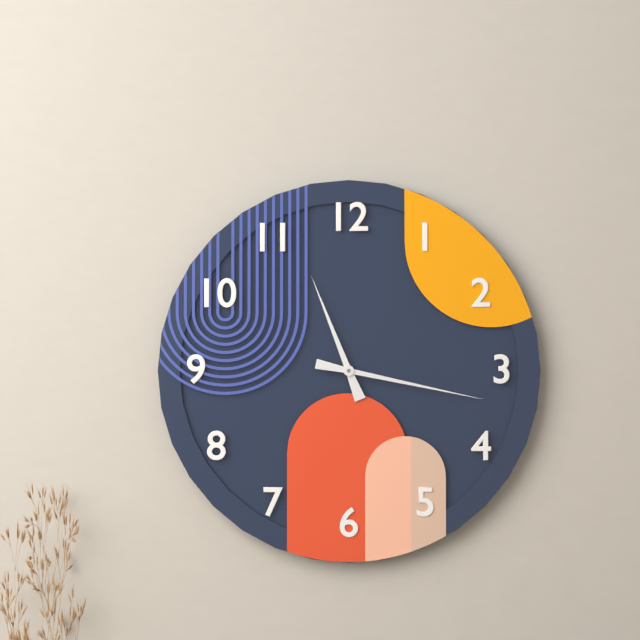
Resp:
11h17
